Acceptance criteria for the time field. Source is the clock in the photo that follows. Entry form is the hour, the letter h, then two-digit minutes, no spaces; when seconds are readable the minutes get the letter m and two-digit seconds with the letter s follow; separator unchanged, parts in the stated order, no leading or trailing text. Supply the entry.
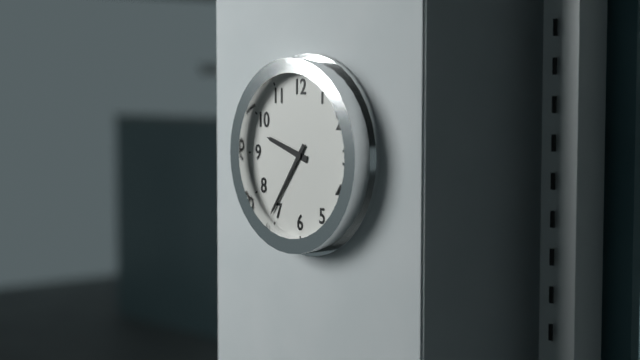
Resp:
9h36
